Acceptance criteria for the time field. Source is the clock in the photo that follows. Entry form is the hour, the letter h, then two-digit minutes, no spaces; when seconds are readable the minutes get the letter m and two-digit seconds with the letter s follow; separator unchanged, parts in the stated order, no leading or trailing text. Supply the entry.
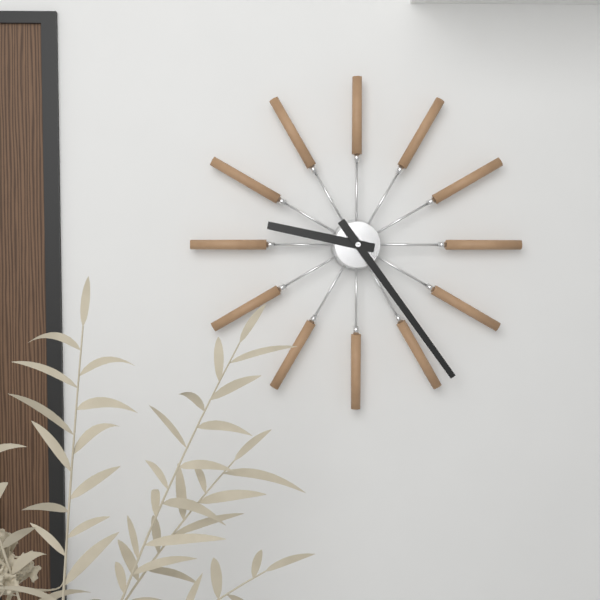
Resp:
9h24
